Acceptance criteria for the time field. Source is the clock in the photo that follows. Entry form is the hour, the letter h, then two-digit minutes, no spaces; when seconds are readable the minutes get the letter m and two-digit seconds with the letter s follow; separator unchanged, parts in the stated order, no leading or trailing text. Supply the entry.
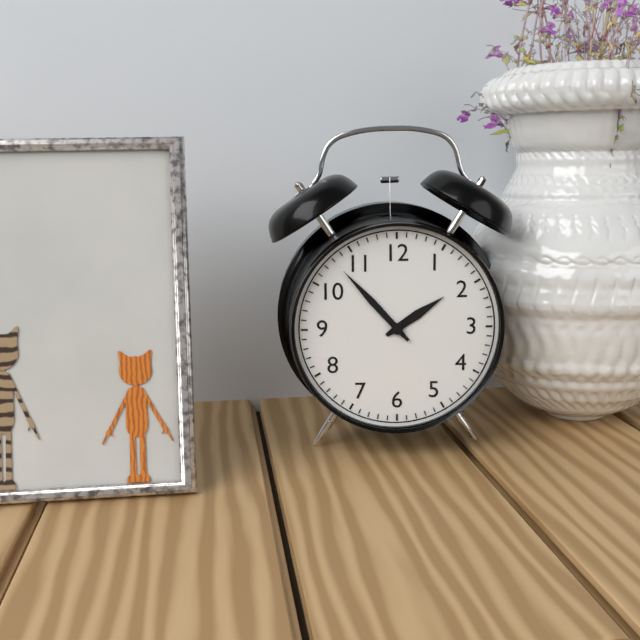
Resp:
1h53
